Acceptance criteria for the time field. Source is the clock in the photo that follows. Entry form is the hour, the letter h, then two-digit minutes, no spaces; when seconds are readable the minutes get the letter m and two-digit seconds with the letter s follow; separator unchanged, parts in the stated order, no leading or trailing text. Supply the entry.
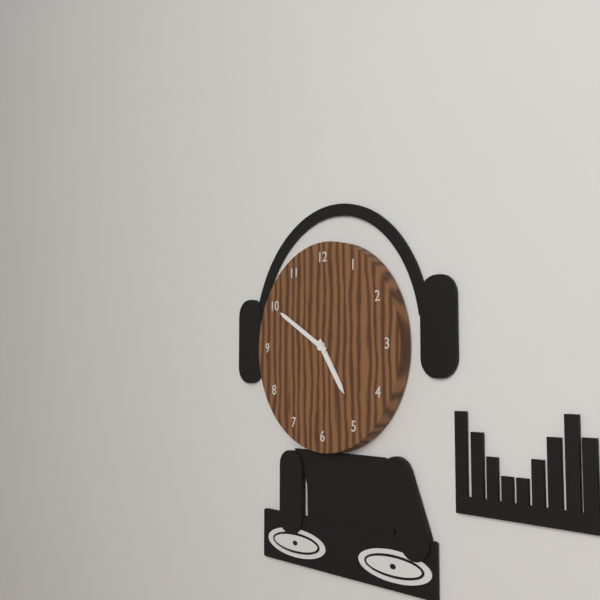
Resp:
4h50
